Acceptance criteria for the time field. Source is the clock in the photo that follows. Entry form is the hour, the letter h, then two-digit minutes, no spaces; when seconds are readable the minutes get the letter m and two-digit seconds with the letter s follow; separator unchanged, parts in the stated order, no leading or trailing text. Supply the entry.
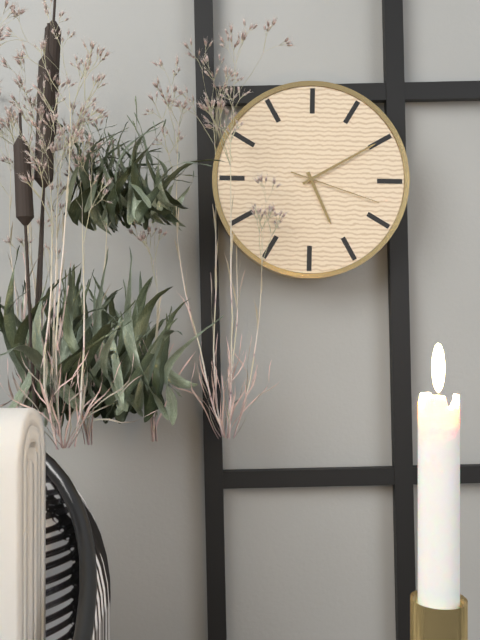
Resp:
5h10m18s
